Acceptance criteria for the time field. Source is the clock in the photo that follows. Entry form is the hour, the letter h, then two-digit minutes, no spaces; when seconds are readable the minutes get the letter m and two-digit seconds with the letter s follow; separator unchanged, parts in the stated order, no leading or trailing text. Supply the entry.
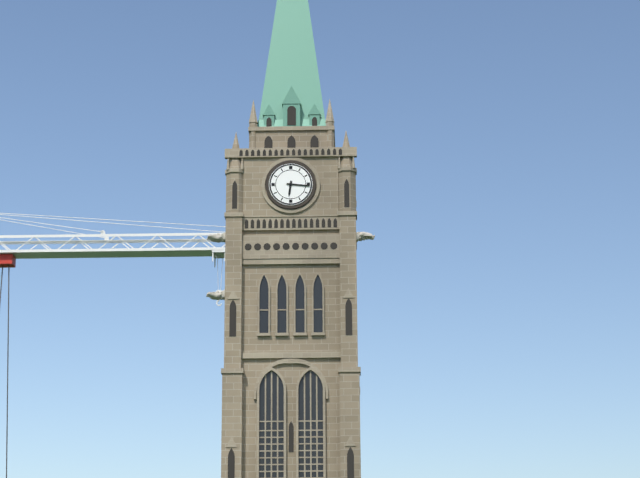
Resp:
6h16
